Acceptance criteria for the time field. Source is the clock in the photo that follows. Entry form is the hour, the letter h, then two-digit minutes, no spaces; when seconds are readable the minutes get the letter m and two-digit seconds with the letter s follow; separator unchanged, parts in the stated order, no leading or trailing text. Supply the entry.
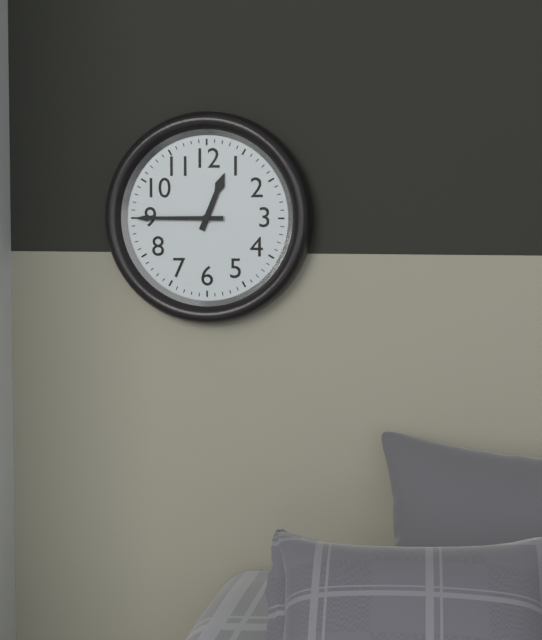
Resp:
12h45
